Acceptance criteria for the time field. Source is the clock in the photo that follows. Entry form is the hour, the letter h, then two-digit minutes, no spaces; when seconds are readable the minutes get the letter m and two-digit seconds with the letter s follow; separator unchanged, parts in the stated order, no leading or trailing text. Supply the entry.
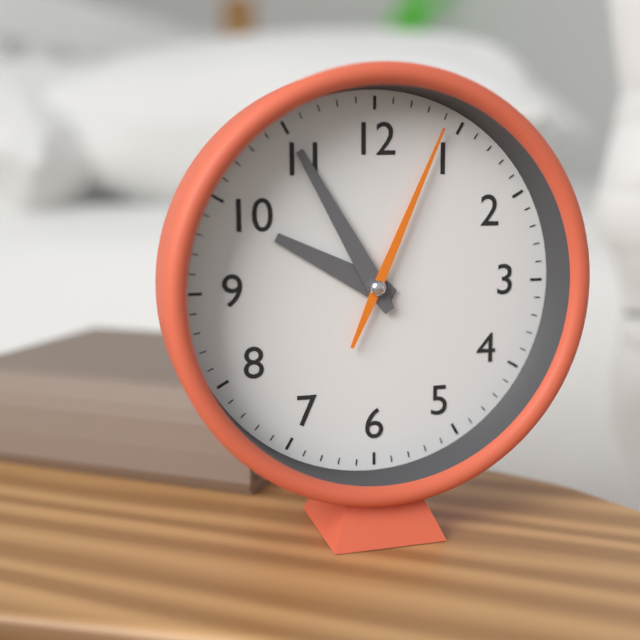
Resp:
9h55m04s
